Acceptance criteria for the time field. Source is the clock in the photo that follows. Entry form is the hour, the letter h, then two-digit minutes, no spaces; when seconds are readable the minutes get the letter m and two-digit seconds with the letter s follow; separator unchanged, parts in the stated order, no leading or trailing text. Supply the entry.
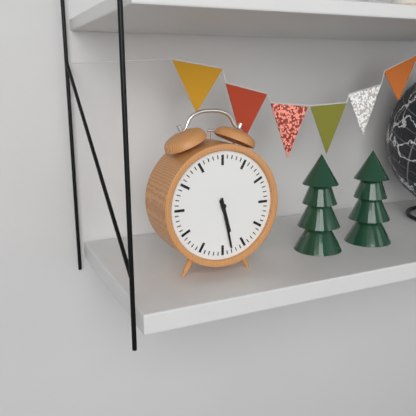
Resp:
5h28
